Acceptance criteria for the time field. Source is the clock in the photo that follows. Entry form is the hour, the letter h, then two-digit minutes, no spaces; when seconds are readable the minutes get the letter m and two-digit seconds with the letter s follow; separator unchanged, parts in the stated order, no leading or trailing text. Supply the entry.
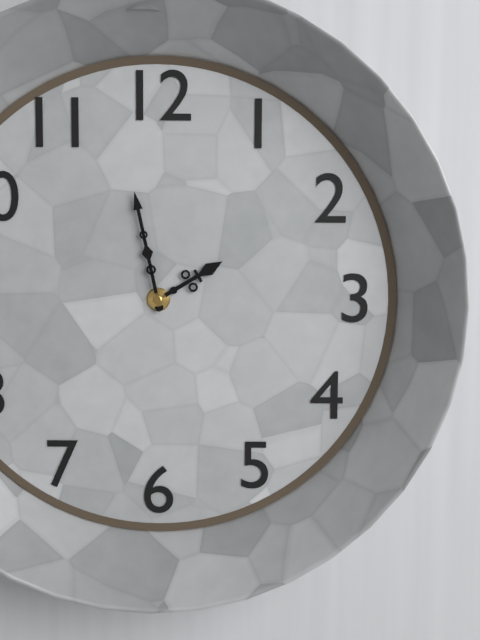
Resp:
1h58
